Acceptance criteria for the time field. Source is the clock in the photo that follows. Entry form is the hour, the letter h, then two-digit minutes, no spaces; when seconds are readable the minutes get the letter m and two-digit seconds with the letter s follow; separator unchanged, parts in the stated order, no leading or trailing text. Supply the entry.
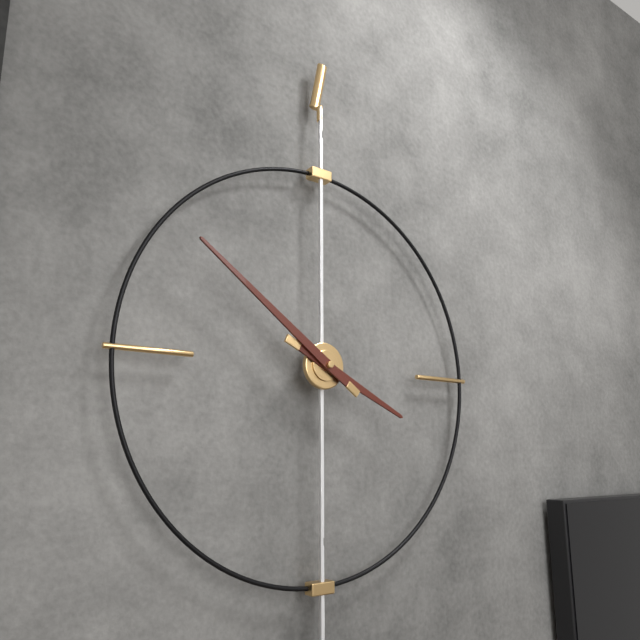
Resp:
3h51
